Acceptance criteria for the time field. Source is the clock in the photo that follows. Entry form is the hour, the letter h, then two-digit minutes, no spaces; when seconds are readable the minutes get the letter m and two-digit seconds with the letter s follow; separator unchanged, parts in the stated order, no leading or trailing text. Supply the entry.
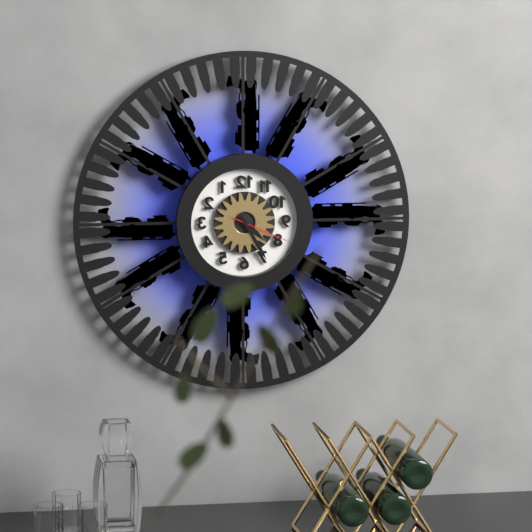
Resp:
4h25m19s
